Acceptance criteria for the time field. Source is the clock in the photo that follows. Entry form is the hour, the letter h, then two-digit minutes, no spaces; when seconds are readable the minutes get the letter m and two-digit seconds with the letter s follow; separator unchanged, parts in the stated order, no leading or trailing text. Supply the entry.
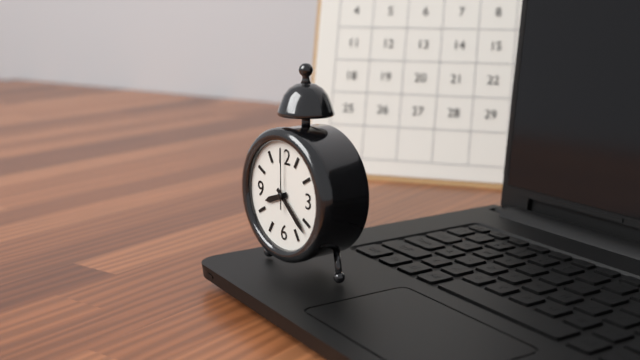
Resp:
8h22m00s
